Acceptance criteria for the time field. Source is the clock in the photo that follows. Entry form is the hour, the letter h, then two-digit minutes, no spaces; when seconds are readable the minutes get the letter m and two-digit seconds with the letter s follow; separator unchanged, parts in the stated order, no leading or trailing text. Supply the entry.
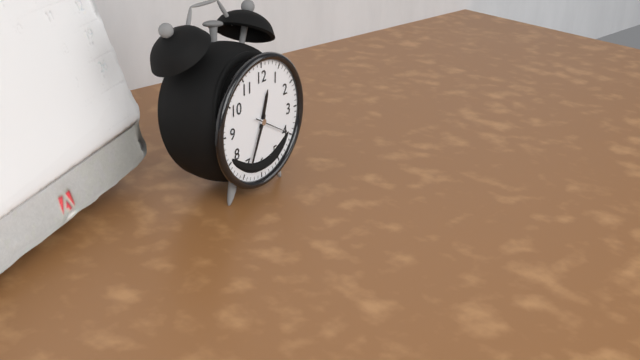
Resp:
12h34
